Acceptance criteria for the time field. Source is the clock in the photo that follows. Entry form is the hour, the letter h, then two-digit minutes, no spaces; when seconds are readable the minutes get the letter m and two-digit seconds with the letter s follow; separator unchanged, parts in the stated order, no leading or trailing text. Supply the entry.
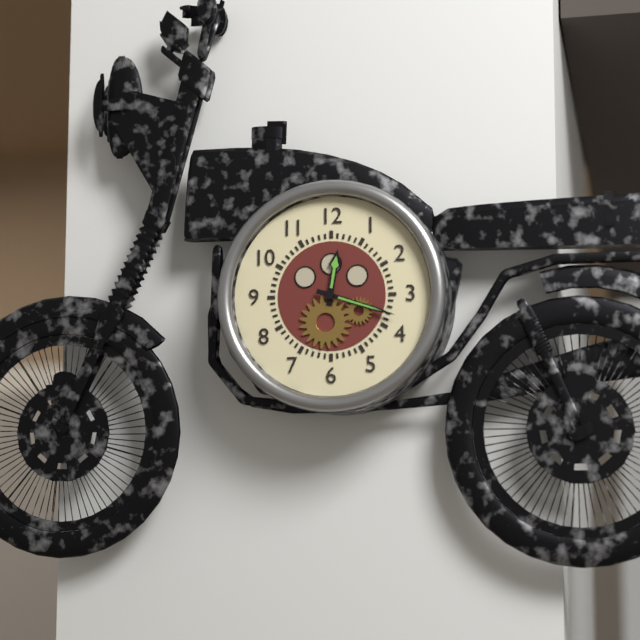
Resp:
12h18
